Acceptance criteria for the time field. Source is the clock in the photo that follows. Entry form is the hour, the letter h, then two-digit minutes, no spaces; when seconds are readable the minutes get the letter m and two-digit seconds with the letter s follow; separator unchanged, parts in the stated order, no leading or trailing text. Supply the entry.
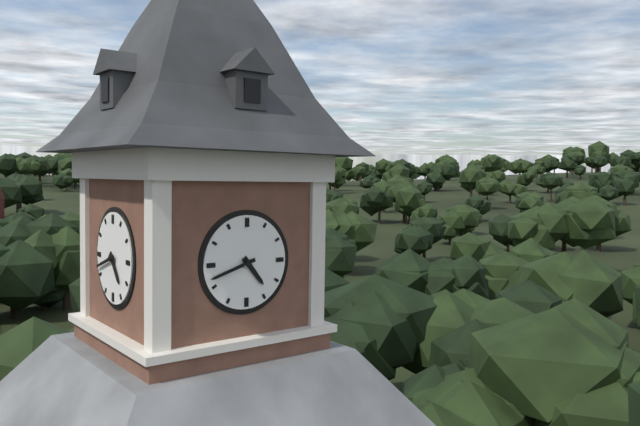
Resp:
4h42
